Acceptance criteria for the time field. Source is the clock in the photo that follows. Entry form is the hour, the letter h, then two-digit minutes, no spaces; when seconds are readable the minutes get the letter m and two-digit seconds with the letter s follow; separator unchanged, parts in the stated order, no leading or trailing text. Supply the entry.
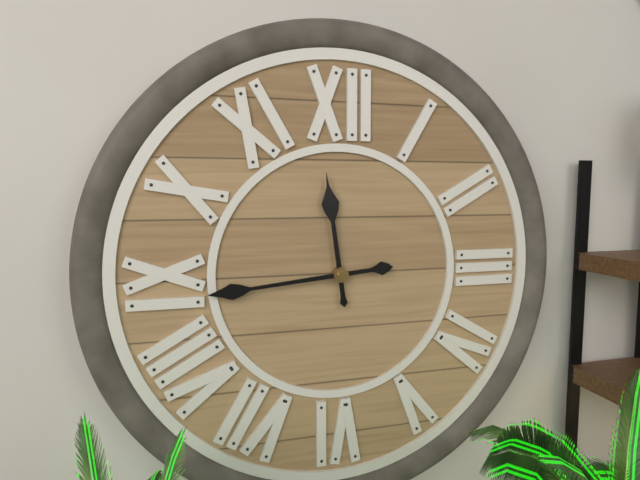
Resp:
11h44
